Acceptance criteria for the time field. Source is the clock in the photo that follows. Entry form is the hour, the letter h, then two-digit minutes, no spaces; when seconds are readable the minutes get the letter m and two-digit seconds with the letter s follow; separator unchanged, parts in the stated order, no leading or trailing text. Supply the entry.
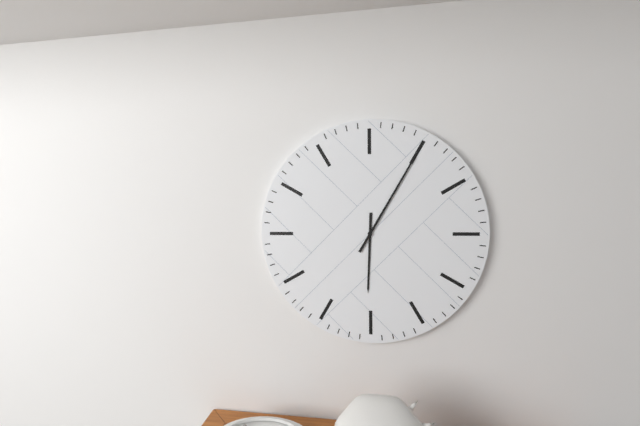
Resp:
6h05
